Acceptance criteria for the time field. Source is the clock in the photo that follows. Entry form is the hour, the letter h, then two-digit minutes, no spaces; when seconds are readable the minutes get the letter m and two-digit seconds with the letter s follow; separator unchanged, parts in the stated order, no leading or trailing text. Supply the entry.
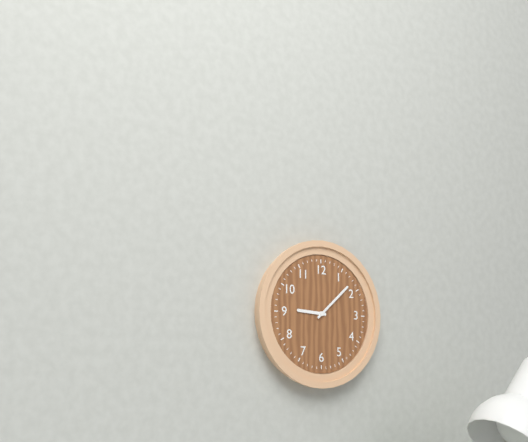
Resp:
9h08
